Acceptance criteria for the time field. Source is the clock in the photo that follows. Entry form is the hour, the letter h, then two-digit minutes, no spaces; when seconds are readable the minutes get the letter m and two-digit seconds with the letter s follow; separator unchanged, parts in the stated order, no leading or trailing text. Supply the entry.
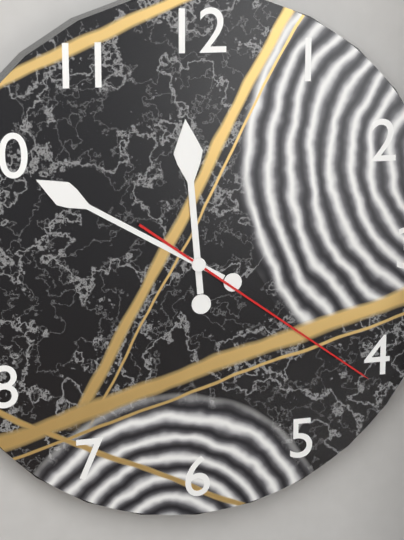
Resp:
11h50m21s
